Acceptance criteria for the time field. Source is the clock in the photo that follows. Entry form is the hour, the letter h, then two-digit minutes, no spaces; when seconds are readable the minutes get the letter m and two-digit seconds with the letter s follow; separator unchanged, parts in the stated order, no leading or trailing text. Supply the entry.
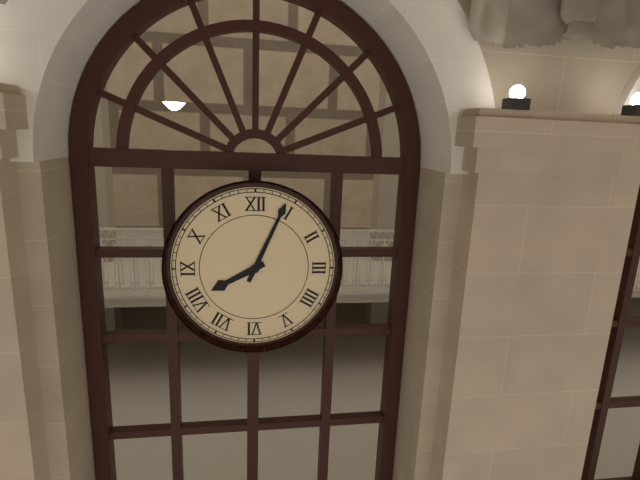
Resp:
8h04
